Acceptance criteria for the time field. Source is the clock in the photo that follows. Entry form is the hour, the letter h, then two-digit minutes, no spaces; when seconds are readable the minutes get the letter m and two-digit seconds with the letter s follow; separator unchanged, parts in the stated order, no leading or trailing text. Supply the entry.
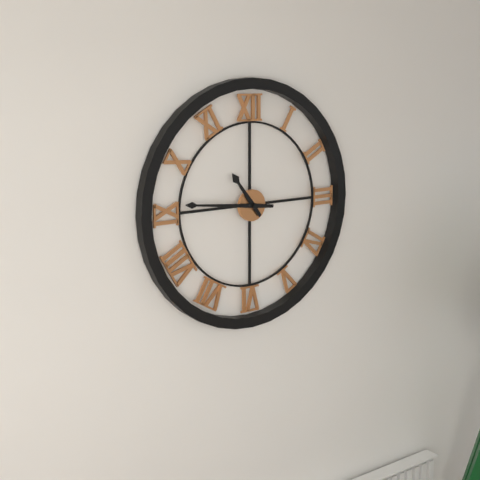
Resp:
10h46
